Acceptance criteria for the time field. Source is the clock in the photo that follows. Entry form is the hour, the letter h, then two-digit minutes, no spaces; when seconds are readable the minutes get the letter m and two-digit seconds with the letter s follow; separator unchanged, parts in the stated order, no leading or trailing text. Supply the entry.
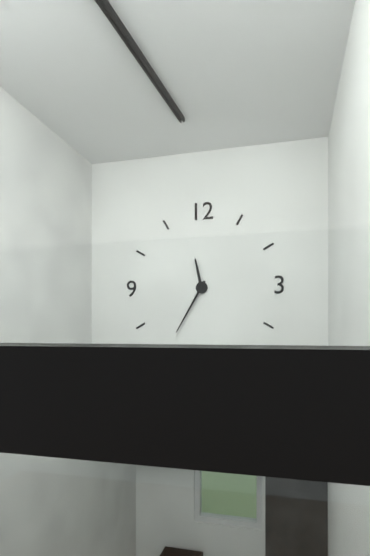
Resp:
11h35
